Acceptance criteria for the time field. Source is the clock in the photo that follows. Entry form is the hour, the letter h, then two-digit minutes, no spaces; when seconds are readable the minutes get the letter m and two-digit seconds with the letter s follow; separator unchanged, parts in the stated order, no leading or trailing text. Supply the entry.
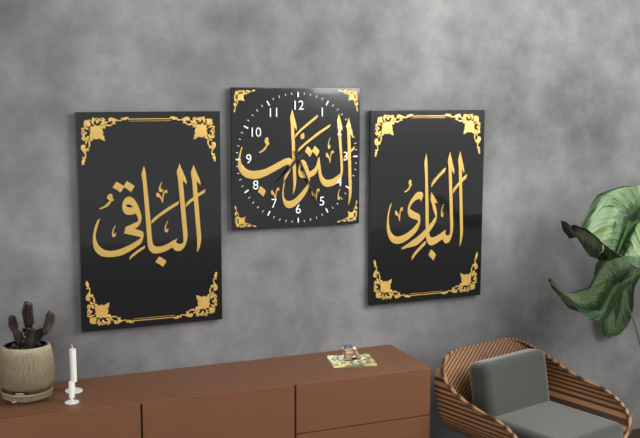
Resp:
7h26
